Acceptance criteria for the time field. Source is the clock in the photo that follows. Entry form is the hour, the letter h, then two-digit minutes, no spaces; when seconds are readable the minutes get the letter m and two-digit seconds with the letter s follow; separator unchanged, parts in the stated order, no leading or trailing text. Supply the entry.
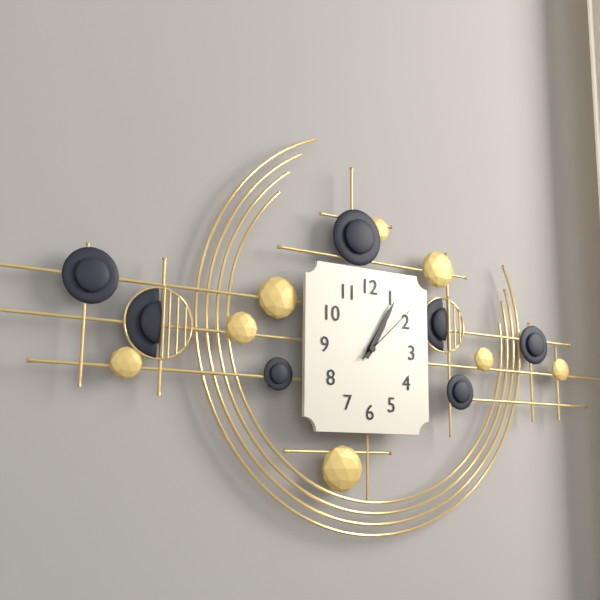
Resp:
1h05m08s
